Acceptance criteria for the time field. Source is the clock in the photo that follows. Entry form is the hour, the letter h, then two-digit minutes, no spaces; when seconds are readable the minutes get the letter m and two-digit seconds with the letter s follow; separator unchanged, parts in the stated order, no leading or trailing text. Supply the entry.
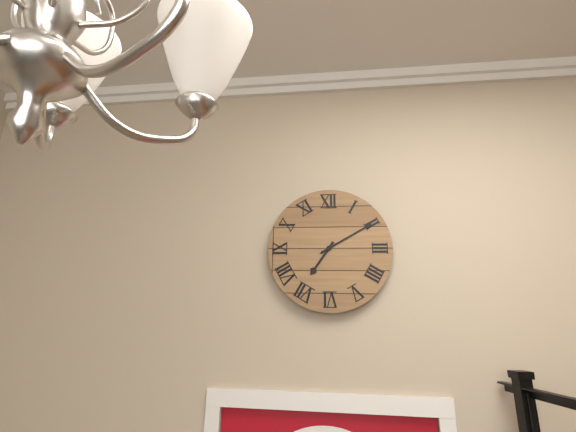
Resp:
7h10
